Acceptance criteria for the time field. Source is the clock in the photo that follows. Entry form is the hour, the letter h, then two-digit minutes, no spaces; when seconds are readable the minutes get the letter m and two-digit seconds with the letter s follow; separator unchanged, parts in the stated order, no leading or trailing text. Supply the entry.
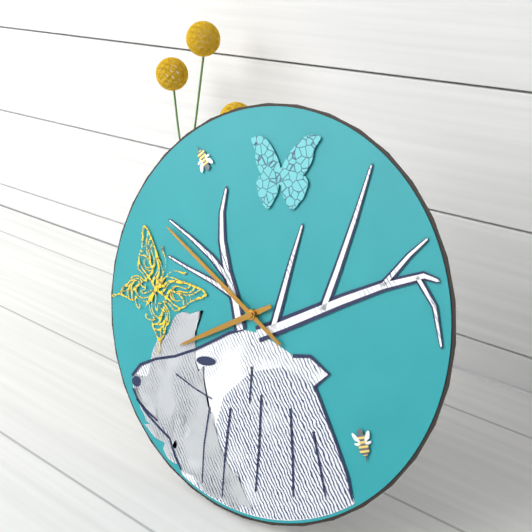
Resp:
7h49
